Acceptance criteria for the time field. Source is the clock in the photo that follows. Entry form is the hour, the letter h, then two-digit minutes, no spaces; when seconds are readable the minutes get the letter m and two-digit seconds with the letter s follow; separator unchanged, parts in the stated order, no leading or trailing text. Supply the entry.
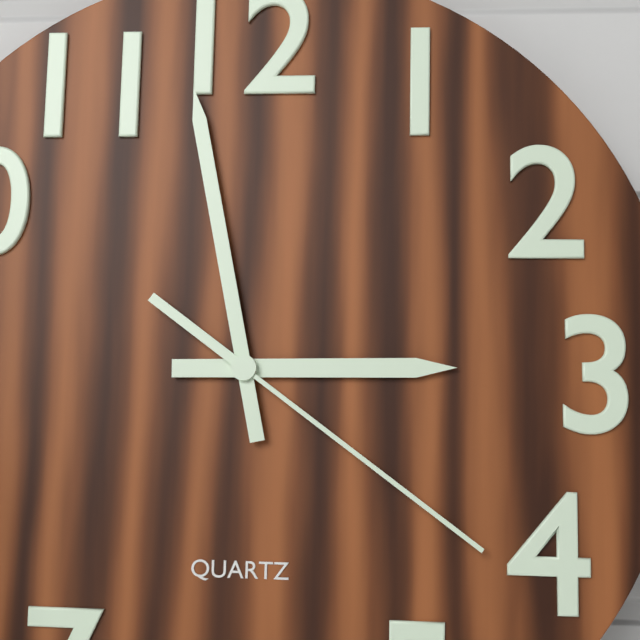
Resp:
2h58m21s
